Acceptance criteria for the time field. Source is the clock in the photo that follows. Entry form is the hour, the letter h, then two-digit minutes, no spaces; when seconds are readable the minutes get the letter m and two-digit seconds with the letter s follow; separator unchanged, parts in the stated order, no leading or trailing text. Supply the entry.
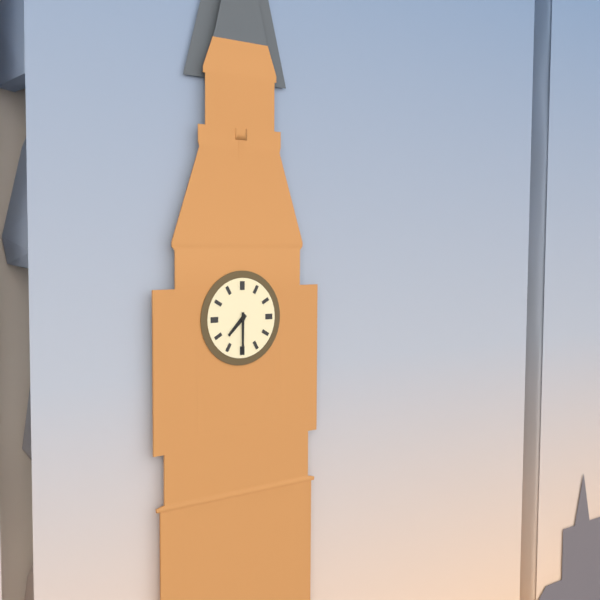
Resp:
7h30
